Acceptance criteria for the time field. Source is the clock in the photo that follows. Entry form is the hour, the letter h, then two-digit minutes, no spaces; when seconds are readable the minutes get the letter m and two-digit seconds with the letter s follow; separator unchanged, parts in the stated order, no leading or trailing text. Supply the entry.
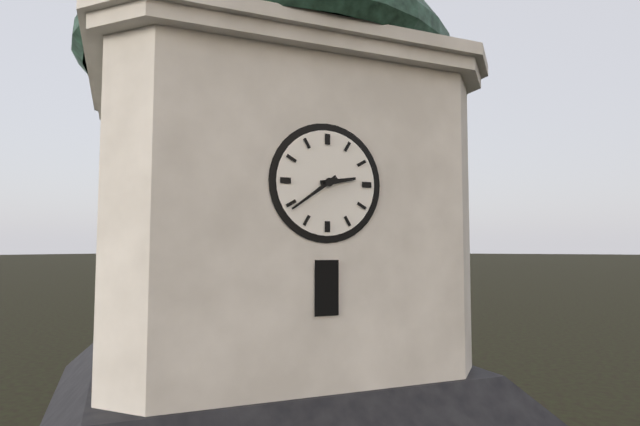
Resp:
2h39
